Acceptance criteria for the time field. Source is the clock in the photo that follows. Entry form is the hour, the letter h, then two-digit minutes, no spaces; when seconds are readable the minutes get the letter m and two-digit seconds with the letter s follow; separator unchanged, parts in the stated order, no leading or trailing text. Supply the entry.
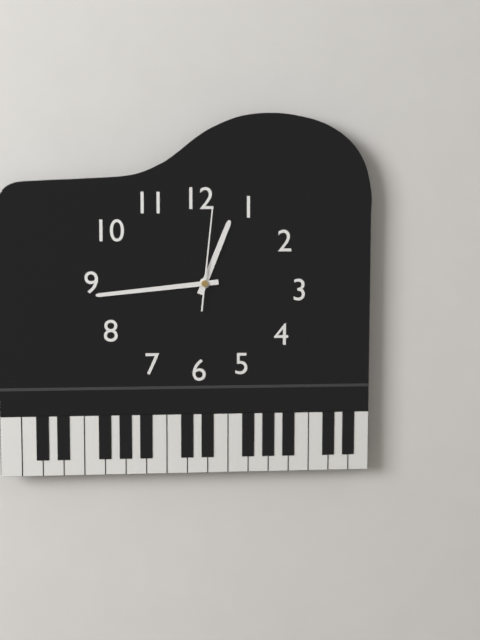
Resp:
12h44m01s
